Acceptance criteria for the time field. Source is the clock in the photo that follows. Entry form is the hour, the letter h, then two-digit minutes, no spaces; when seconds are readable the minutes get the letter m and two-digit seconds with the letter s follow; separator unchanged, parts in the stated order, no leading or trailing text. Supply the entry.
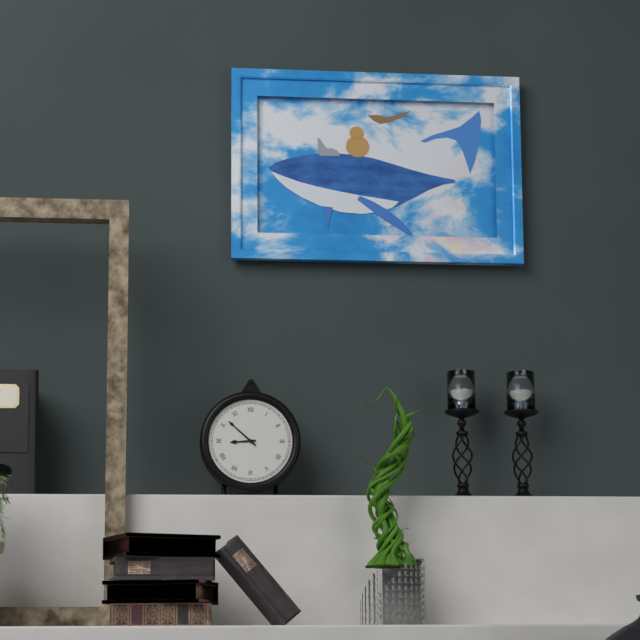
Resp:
8h52
